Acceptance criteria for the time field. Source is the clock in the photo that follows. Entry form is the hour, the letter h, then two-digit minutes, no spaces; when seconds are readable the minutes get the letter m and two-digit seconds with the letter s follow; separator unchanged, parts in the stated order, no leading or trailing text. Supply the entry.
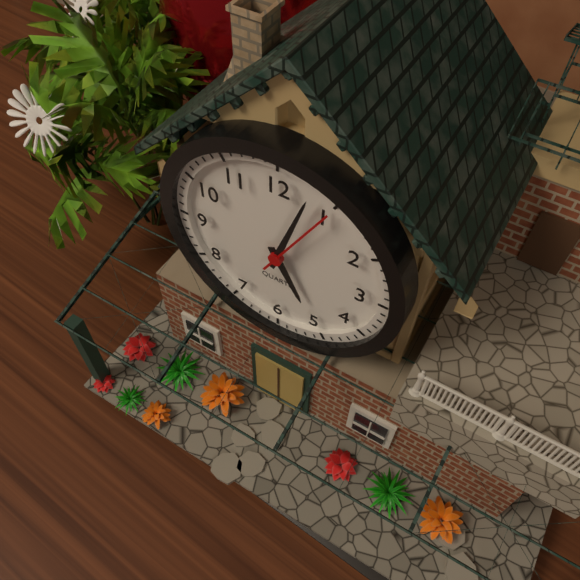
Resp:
5h03m05s
